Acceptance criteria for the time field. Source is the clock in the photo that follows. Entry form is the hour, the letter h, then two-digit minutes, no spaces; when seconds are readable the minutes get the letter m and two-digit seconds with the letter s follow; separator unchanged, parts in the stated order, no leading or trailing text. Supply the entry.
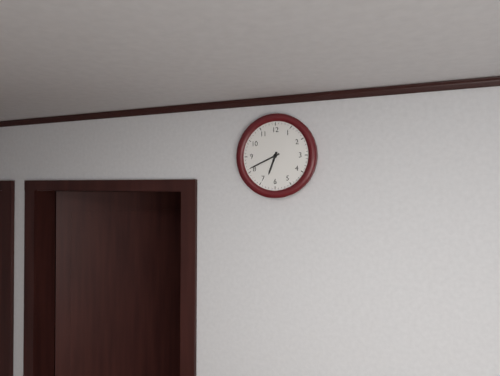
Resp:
6h41
